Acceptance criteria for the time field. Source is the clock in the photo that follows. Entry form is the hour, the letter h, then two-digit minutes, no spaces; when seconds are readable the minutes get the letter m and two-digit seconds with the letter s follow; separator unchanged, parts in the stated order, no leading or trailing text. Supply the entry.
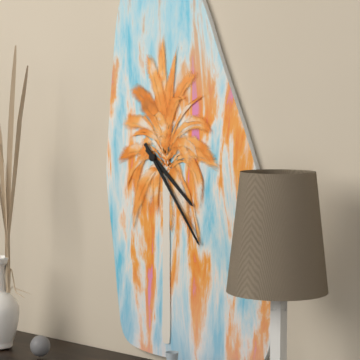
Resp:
4h24
